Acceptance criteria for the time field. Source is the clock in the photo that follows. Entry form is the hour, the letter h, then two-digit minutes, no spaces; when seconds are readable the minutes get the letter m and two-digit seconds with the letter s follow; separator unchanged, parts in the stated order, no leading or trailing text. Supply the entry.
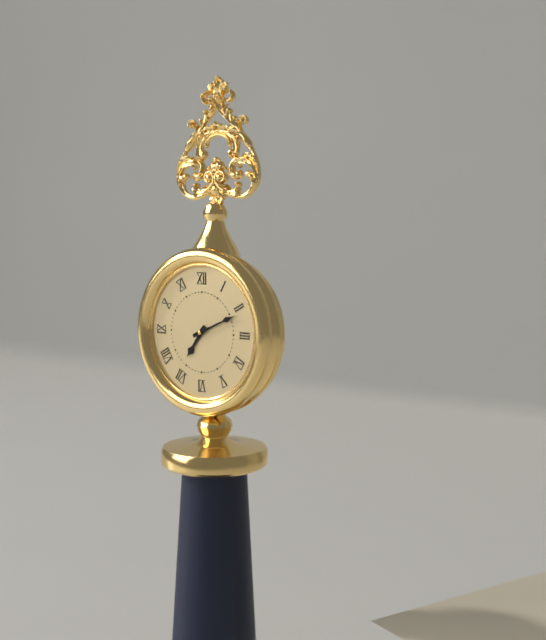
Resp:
7h11
